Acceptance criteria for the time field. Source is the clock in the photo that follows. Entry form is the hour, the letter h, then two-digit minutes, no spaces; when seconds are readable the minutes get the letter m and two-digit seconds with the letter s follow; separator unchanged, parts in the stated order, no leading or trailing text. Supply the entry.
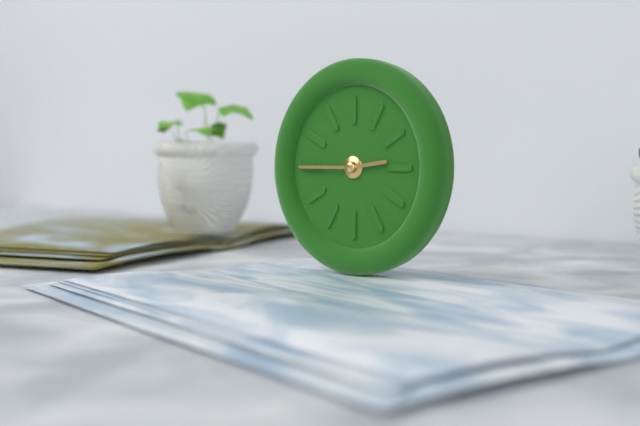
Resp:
2h45
